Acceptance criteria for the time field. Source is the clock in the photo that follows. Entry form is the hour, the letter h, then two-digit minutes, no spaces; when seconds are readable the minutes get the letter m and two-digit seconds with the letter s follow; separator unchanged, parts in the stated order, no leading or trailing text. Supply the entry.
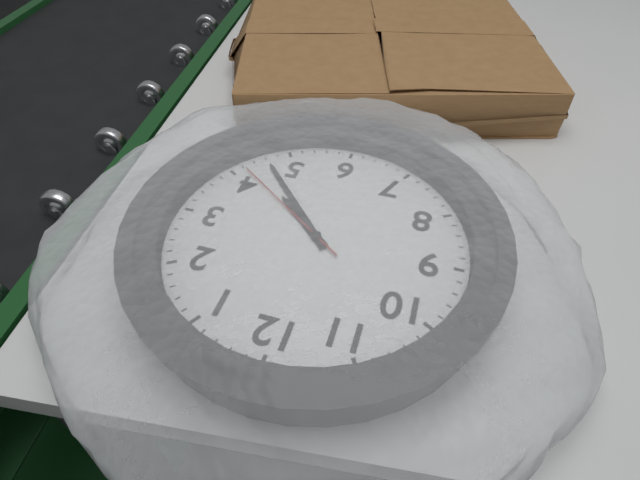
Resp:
4h23m21s
